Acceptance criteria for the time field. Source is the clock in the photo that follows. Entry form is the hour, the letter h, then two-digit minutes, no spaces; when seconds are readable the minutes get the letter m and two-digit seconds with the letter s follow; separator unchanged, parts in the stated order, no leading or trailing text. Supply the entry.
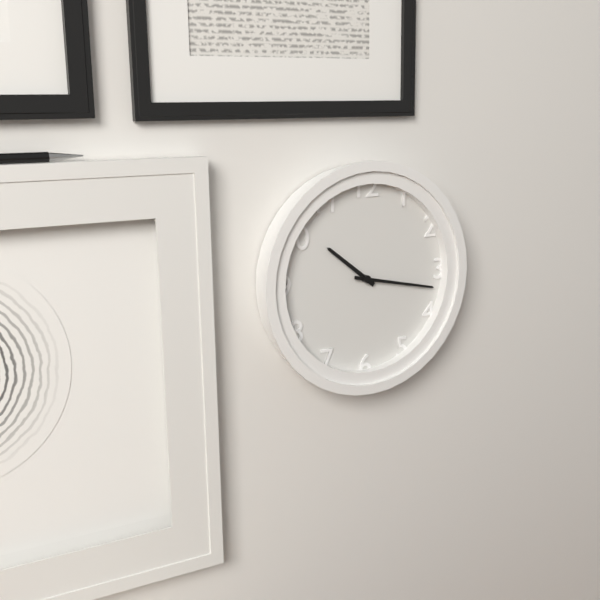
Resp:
10h17
